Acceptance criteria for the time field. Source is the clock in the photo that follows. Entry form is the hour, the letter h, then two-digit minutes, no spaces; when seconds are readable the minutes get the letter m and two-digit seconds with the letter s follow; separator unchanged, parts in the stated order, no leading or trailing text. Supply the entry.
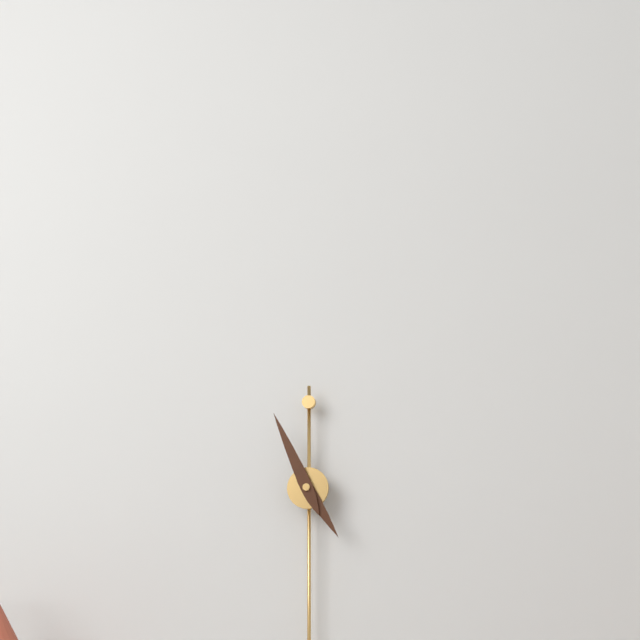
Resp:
4h56
